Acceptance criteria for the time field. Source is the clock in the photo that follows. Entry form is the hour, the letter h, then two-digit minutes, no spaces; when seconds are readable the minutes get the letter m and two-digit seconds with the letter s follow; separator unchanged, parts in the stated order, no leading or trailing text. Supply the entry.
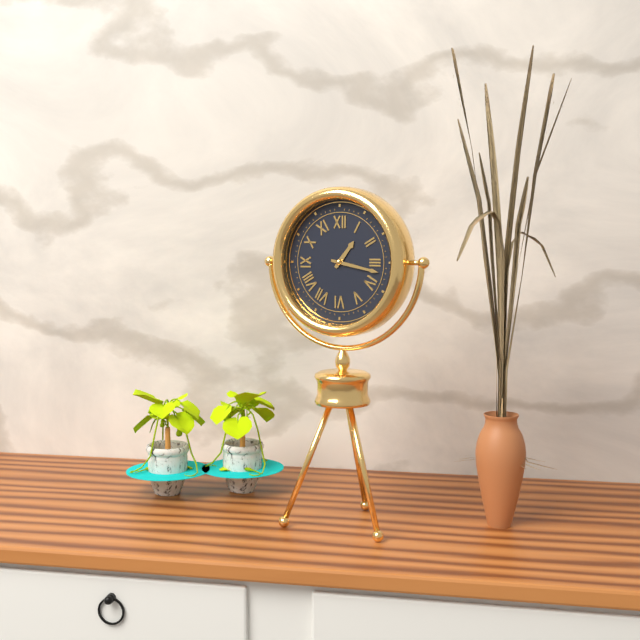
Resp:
1h17
